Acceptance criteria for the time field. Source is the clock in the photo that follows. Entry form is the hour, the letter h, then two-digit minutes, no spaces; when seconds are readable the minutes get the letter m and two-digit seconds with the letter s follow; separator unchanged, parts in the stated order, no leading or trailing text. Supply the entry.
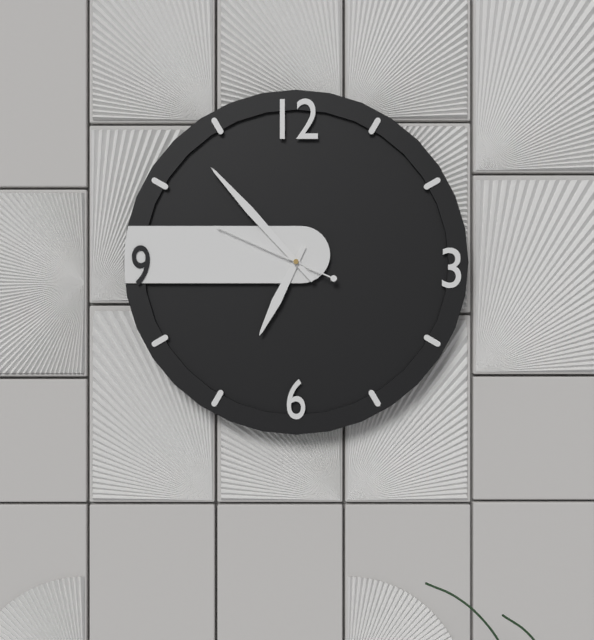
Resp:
6h53m49s
